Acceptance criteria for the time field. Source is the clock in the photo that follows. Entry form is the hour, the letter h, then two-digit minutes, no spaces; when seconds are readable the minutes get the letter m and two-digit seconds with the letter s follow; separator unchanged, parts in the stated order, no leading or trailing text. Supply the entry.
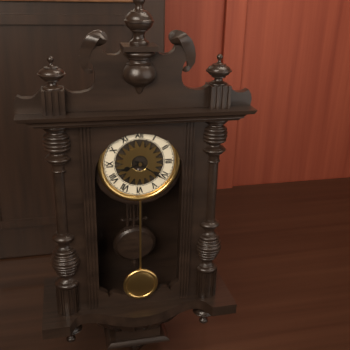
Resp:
8h21
